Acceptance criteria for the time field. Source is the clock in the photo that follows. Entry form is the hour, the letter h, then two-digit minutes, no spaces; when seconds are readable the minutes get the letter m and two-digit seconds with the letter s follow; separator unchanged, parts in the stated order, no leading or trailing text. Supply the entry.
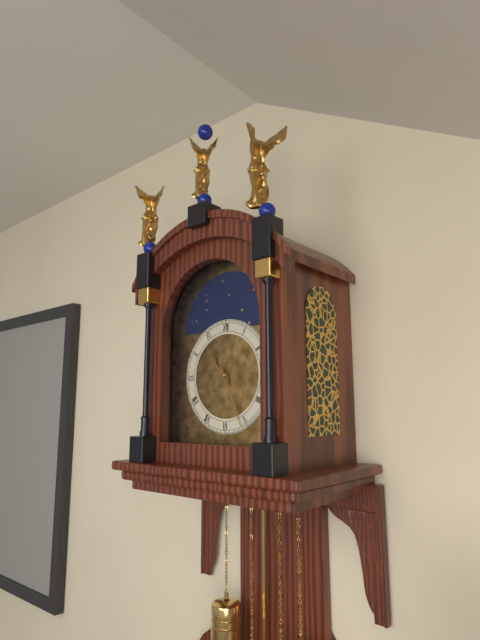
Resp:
10h26
